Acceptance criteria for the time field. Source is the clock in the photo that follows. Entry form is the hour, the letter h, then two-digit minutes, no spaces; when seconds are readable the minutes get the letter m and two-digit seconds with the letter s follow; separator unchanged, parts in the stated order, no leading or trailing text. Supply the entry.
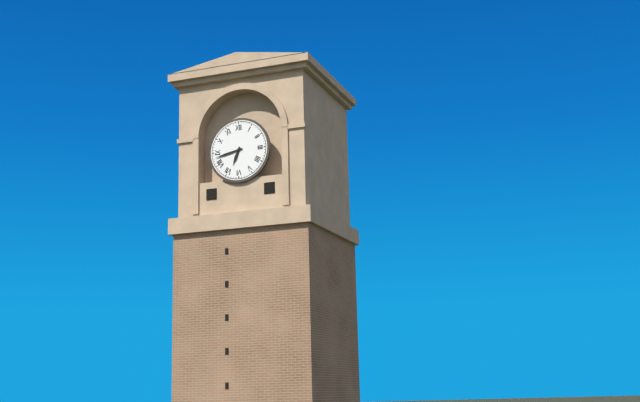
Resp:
6h43
